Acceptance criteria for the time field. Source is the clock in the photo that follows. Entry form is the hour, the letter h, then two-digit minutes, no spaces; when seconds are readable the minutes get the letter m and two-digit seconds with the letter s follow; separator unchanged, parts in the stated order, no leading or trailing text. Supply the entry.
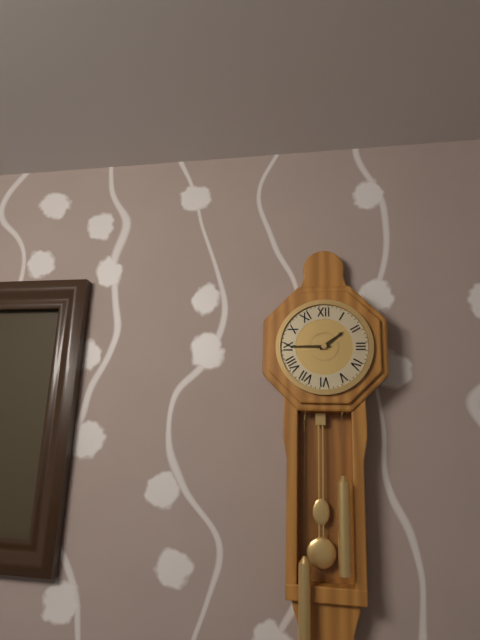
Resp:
1h45
